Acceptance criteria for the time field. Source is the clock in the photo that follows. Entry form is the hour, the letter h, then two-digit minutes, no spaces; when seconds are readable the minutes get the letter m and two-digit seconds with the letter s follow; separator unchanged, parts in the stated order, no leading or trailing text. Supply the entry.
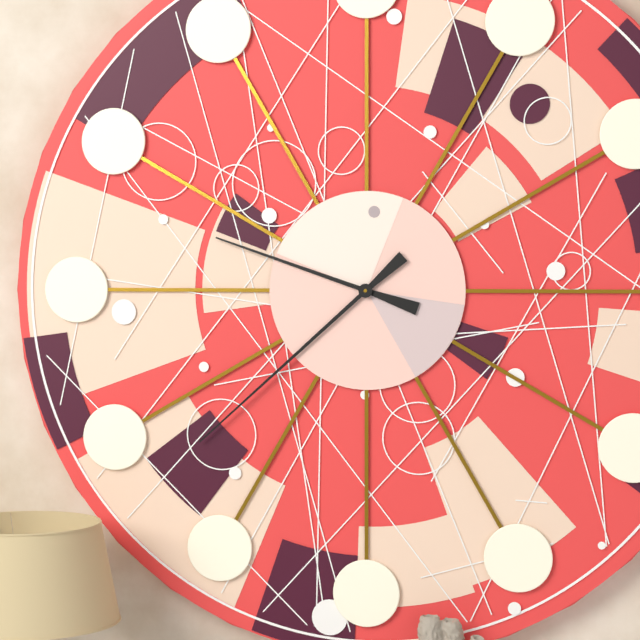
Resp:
9h38
